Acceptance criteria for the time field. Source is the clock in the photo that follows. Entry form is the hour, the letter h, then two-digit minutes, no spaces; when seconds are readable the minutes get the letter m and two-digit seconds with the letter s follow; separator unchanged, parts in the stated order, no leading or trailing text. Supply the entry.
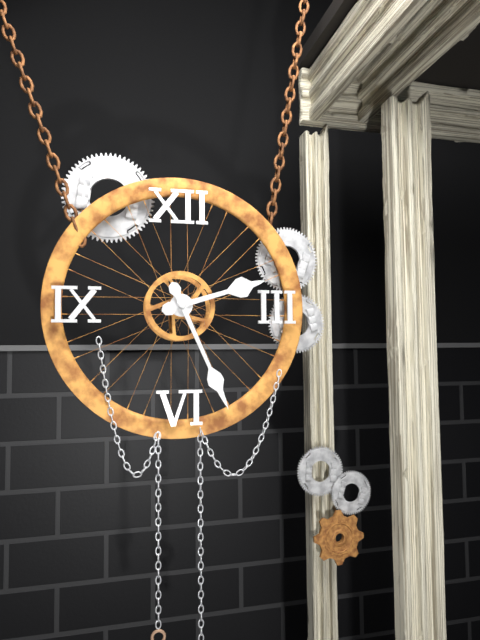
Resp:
2h26
